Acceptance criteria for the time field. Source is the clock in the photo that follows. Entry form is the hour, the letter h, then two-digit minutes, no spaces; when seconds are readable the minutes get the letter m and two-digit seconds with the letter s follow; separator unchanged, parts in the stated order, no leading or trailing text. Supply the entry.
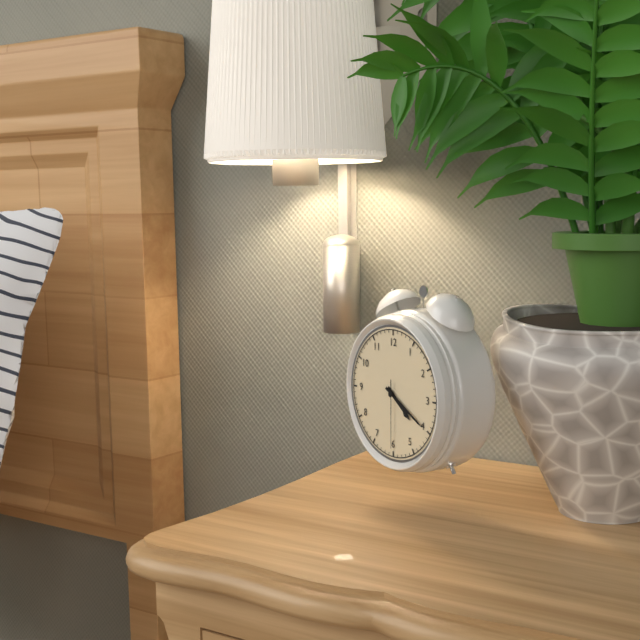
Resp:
4h20m30s
